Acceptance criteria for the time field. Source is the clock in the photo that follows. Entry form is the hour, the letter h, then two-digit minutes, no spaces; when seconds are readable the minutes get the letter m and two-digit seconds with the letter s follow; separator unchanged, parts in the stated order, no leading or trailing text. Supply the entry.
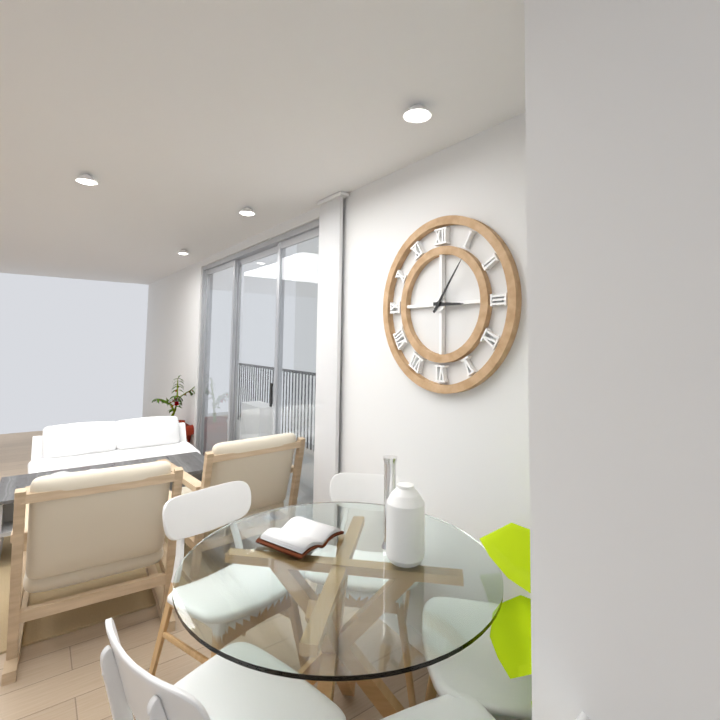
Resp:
3h06
